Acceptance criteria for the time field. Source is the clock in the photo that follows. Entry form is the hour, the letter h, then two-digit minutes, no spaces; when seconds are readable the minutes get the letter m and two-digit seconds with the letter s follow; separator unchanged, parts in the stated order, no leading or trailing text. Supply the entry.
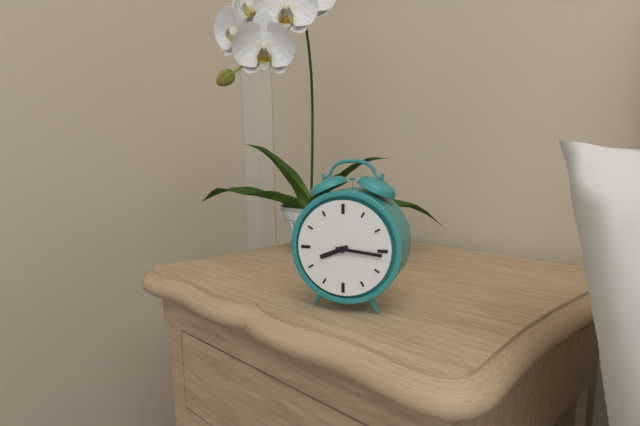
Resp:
8h16
